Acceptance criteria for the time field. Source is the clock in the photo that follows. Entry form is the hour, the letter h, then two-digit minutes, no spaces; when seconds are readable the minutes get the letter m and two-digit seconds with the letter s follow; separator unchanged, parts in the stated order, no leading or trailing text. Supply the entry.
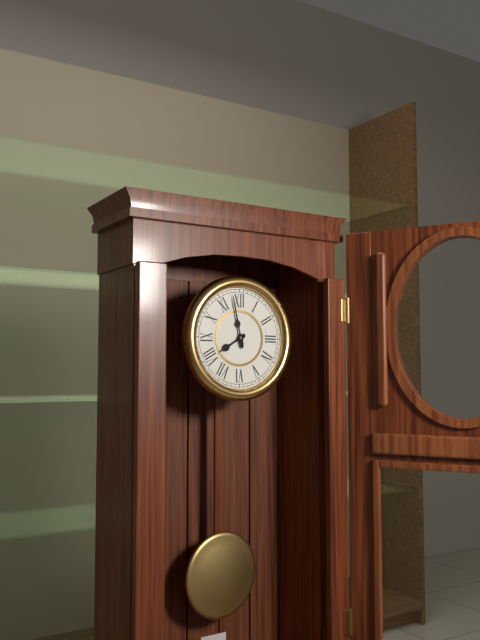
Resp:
7h58
